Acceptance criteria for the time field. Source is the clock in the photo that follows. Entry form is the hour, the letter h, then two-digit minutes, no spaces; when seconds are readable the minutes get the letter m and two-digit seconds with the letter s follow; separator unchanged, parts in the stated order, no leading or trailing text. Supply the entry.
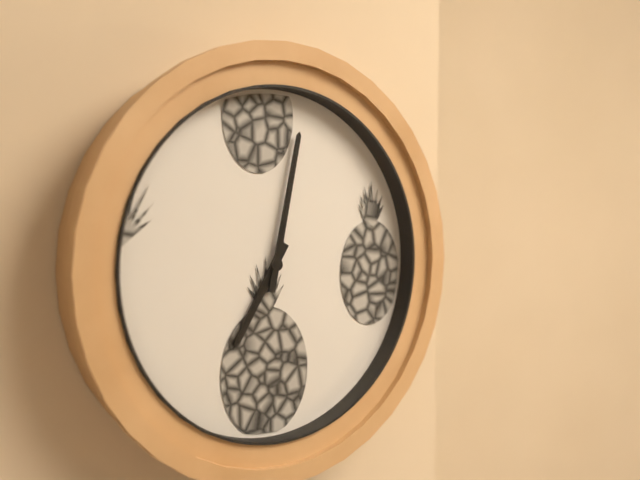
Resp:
7h02
